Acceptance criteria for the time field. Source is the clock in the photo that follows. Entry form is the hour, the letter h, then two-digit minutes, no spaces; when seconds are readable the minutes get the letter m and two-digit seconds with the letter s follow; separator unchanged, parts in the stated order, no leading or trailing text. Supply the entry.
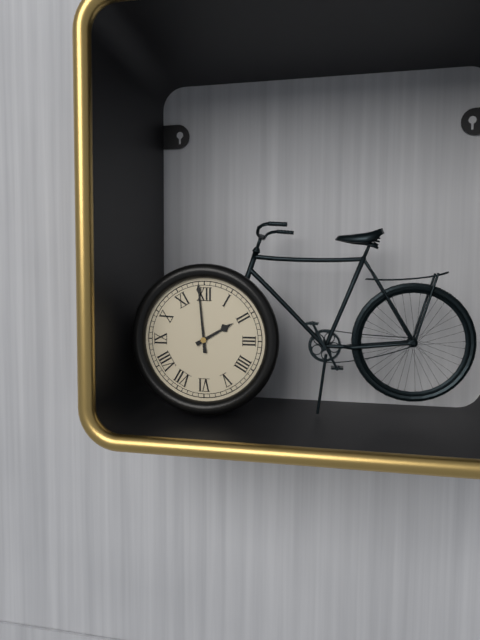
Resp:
1h59
